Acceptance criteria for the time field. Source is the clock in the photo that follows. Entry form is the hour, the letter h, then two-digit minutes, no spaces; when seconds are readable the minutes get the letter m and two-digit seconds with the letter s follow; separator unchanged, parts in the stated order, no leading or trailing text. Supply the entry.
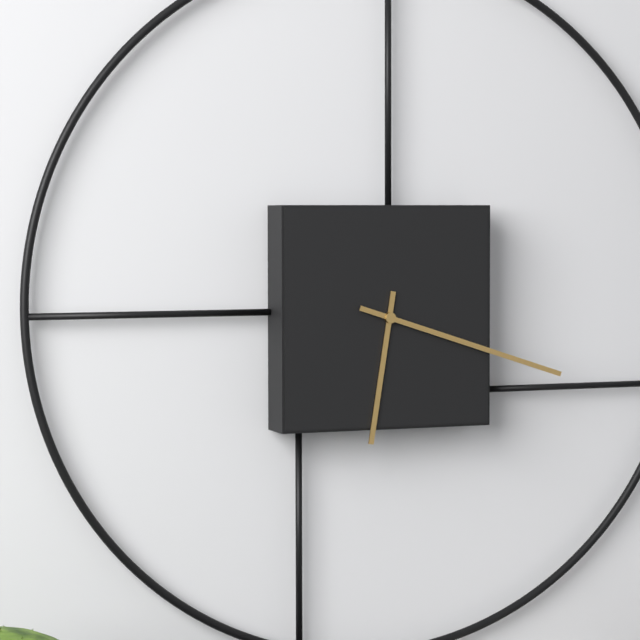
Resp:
6h18
